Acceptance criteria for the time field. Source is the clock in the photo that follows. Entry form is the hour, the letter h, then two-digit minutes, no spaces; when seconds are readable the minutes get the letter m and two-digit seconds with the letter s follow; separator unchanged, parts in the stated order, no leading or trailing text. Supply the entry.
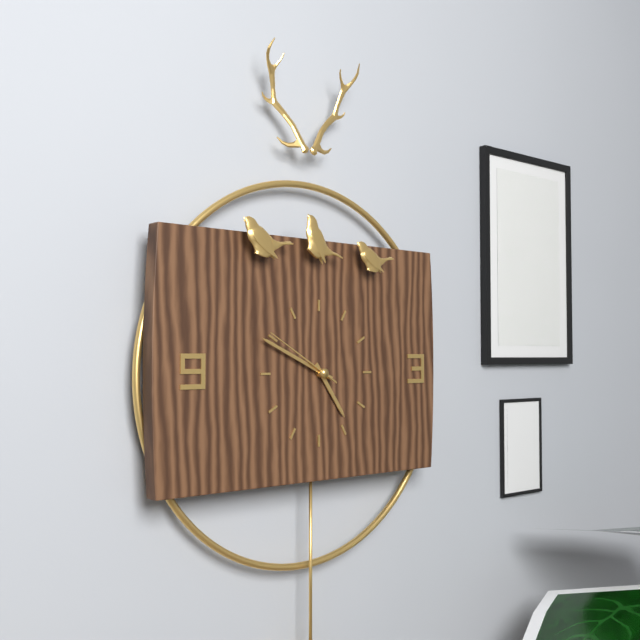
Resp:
4h49m50s
